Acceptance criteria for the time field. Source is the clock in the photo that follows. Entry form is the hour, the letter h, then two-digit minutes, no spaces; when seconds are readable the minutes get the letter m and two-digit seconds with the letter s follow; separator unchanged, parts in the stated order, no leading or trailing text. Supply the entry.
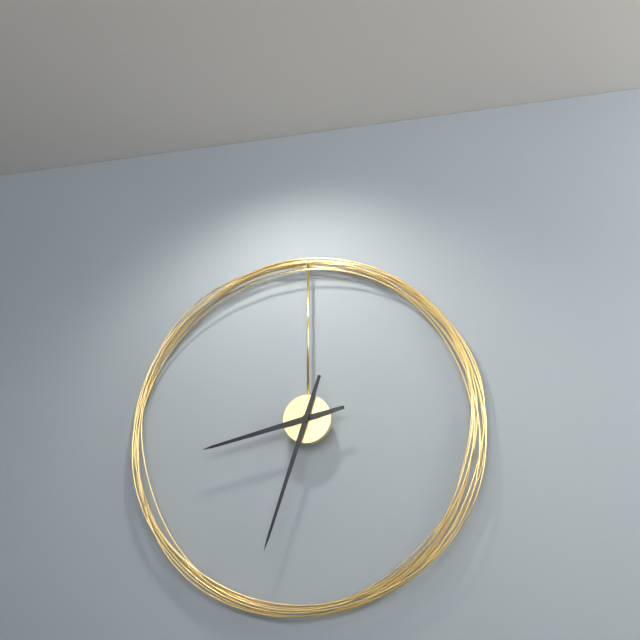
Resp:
8h33
